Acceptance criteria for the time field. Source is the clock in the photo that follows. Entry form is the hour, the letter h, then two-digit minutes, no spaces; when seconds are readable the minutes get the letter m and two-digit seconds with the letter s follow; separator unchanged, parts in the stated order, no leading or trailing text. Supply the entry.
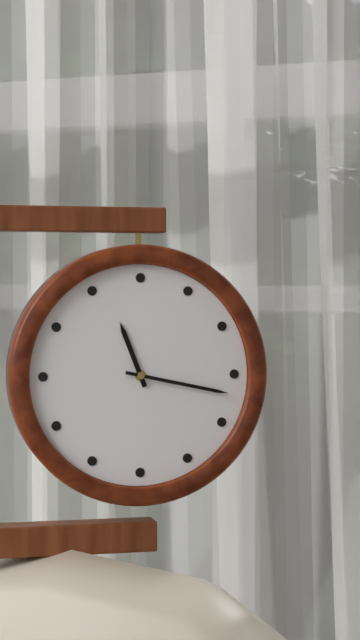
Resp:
11h17
